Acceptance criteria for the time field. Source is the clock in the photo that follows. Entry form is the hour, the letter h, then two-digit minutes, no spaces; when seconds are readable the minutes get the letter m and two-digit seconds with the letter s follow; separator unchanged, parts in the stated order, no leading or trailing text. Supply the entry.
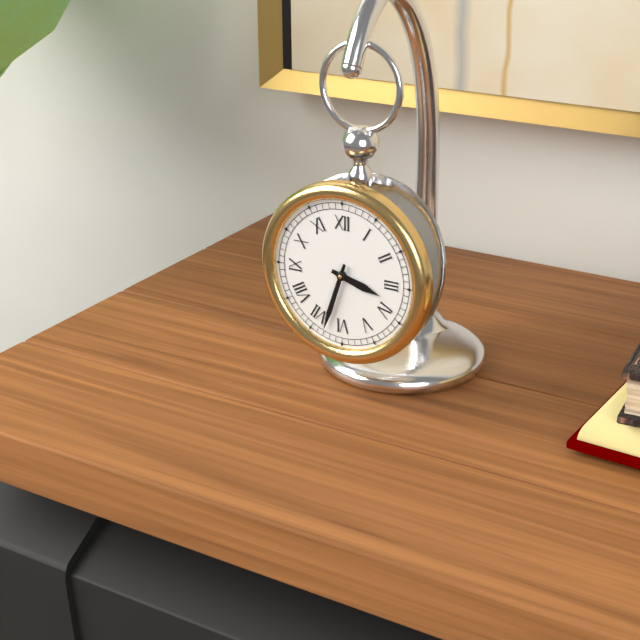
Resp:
3h33
